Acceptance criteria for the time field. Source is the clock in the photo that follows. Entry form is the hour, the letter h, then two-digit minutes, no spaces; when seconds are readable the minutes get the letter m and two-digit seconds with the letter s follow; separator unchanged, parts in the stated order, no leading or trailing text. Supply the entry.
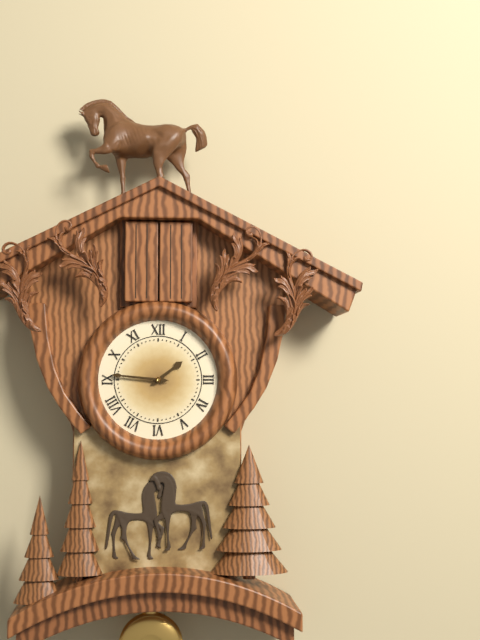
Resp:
1h46
